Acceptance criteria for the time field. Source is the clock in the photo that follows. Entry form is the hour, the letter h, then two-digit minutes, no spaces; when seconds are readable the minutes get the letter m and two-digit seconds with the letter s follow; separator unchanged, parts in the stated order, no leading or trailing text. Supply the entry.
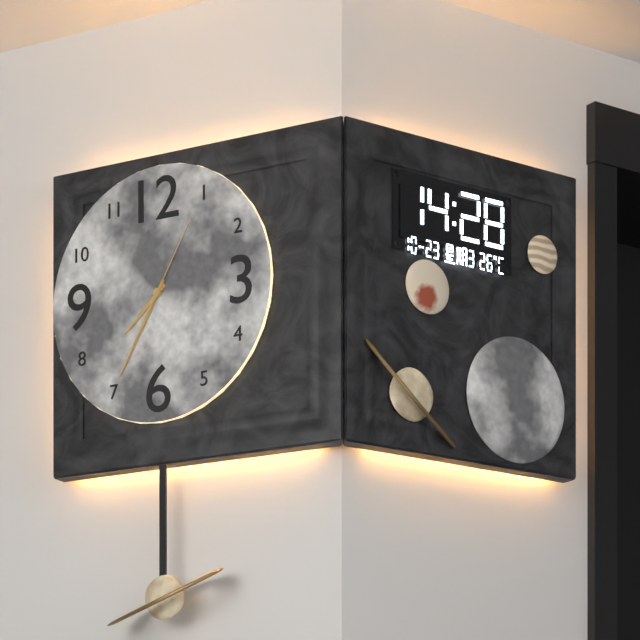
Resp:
7h35m05s
